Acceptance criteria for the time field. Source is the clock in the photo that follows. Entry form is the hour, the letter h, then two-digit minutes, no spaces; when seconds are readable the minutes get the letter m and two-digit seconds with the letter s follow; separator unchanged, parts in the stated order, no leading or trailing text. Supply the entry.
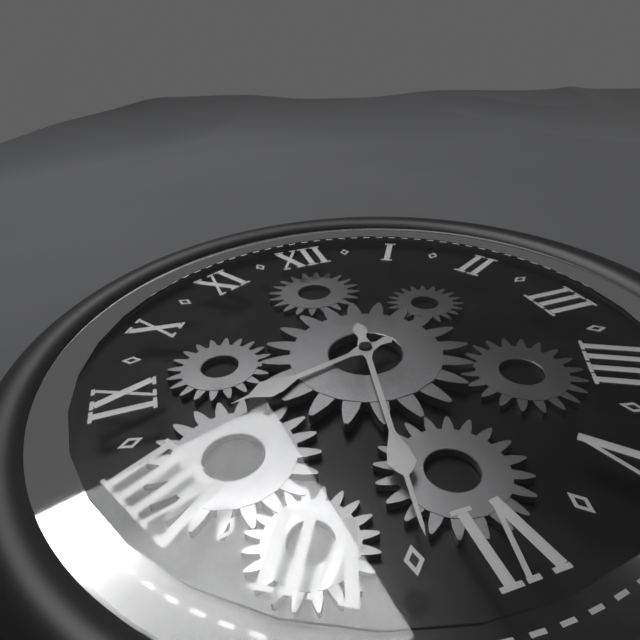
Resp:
8h32
